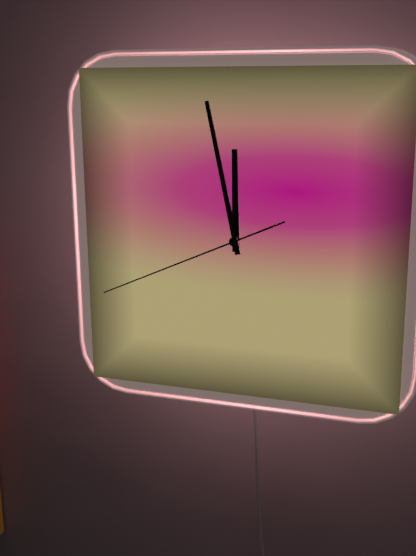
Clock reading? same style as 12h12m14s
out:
11h58m41s
